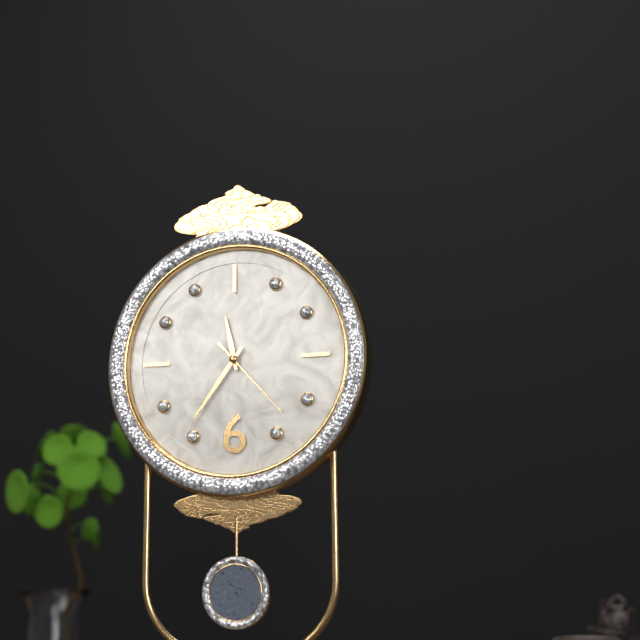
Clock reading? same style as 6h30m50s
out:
11h36m23s
